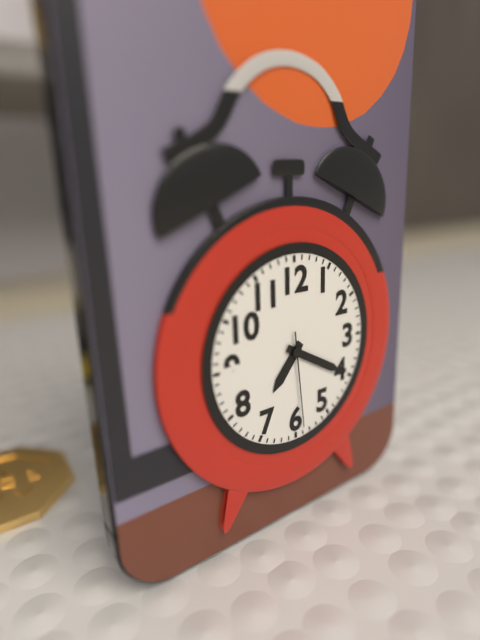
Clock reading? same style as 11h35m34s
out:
7h20m29s
